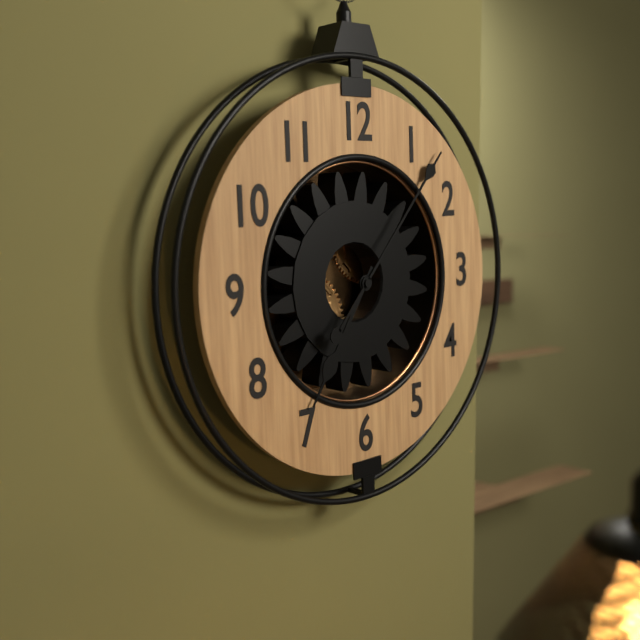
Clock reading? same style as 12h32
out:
7h07
